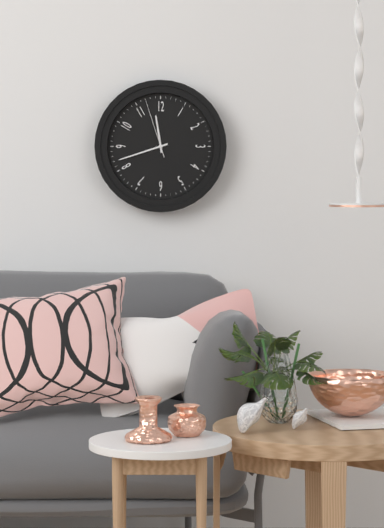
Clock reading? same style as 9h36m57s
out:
11h42m57s
